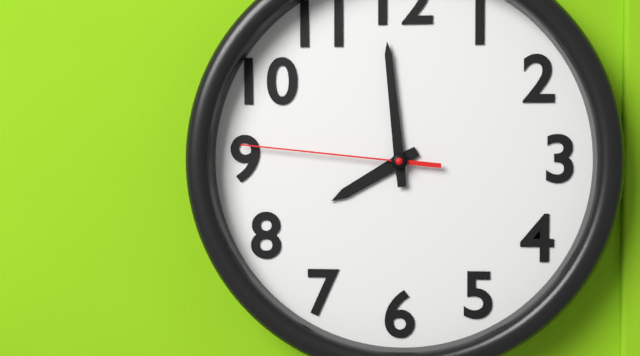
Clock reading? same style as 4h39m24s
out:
7h59m46s
